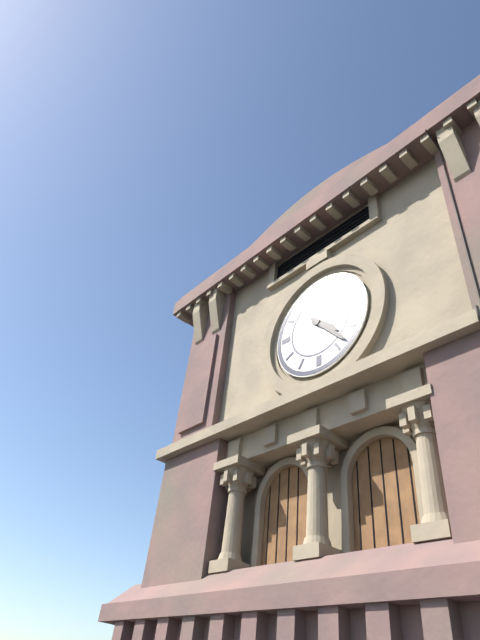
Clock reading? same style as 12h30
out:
4h23
